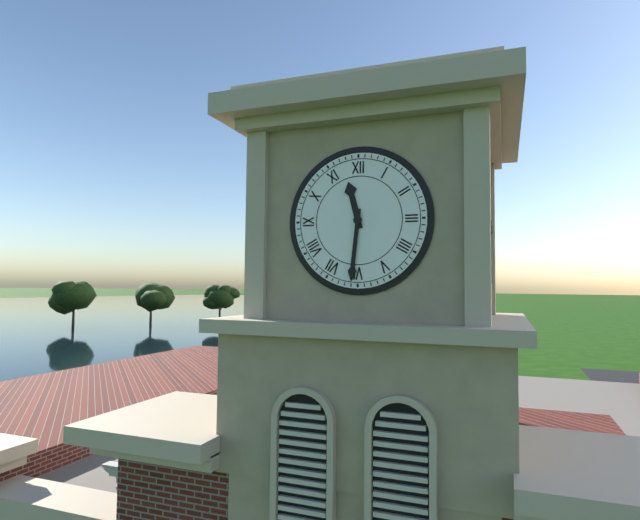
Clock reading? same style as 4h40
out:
11h31
